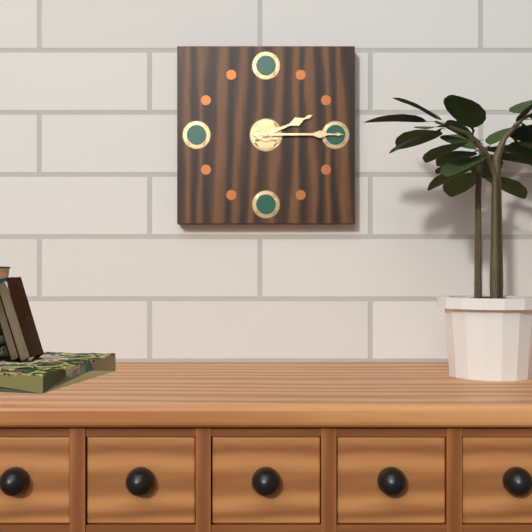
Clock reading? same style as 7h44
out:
2h15
